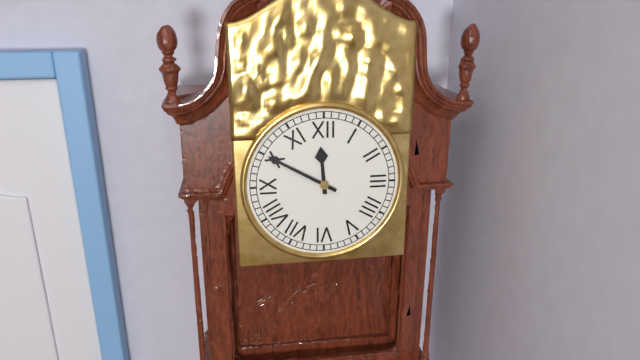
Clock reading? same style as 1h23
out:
11h50
